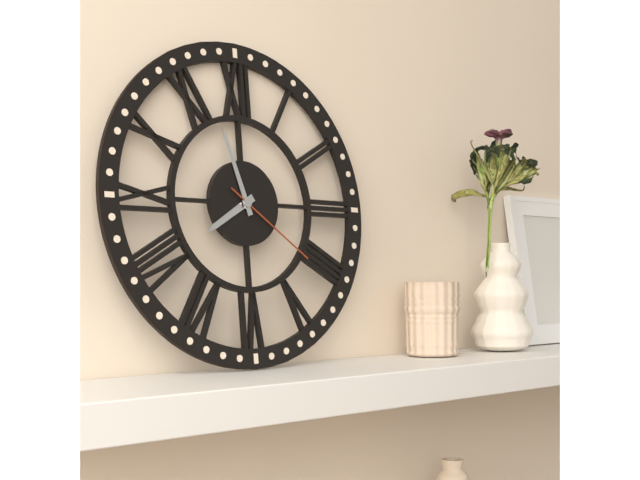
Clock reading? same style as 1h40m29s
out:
7h57m21s
